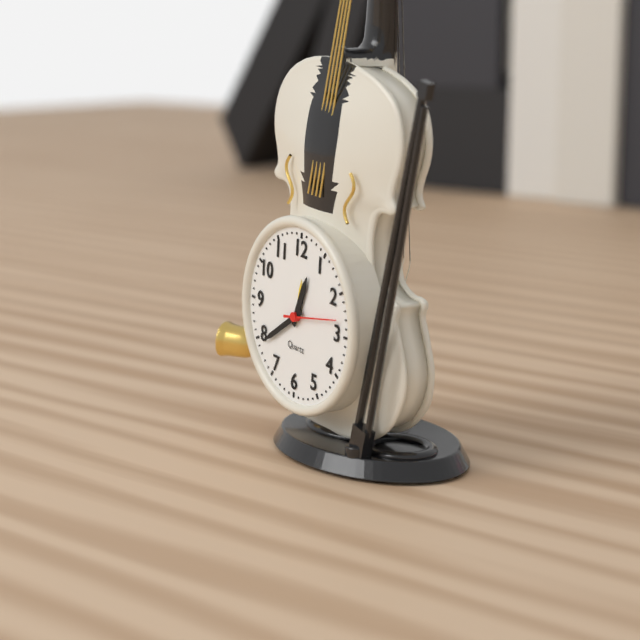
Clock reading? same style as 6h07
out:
12h39
